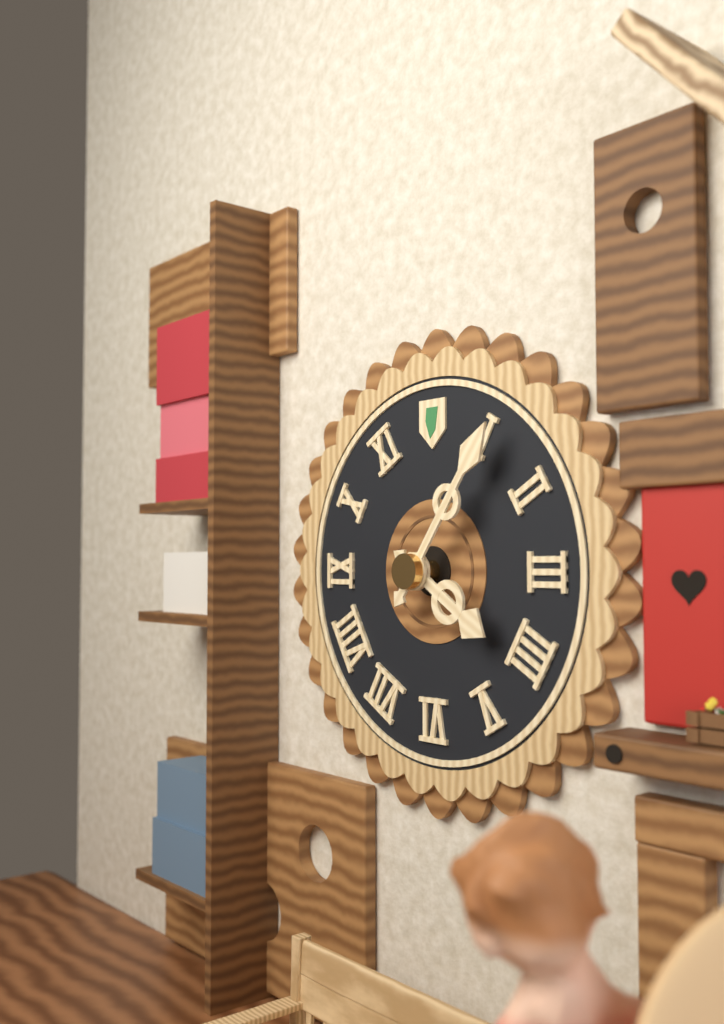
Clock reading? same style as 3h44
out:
4h06
